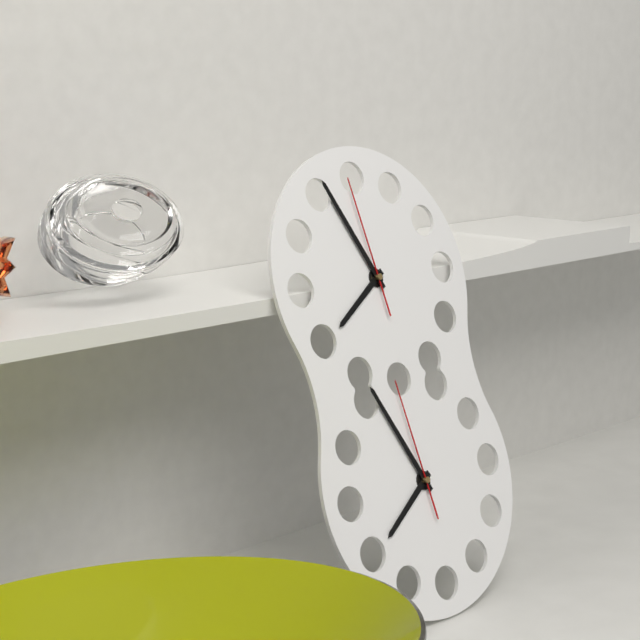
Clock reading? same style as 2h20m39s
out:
7h56m59s
